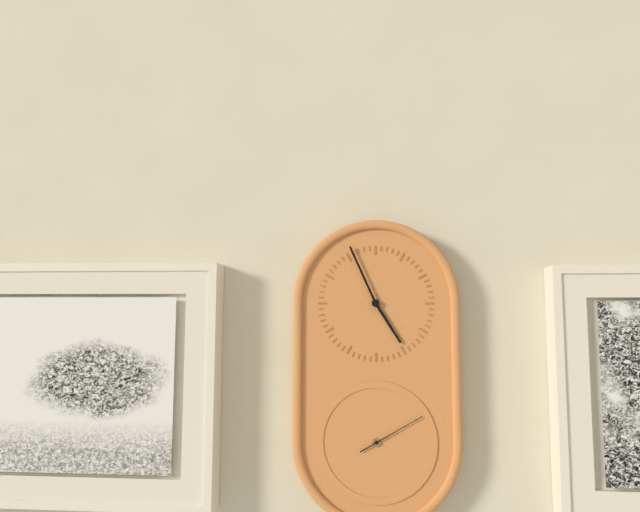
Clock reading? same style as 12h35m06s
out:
4h56m10s
